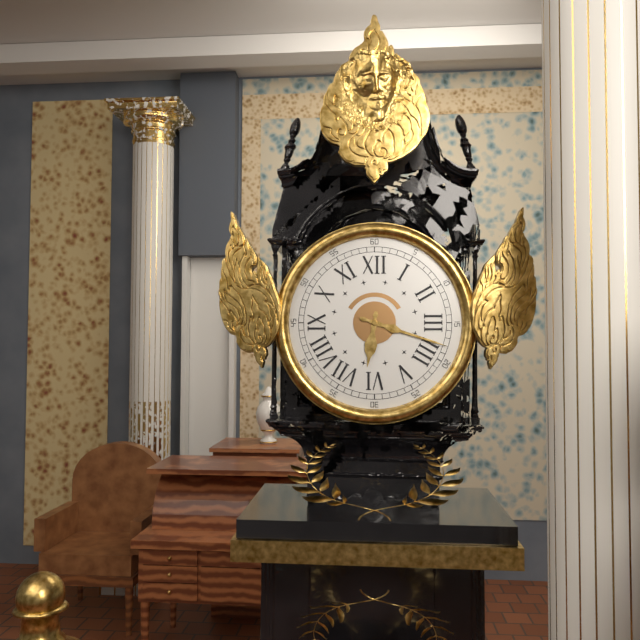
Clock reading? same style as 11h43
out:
6h18
